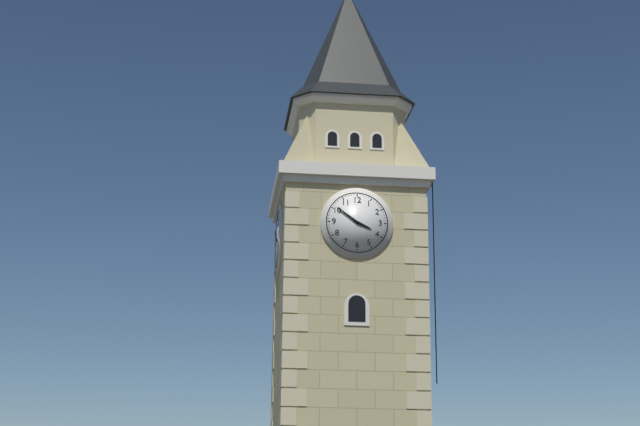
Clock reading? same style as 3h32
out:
3h51
